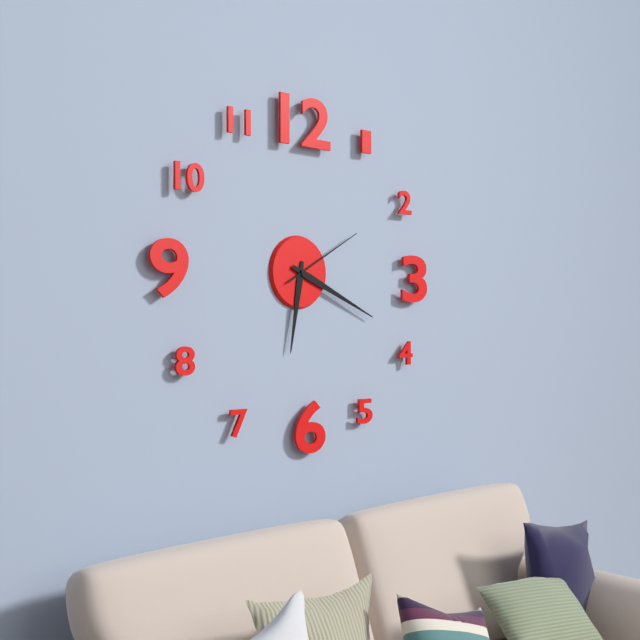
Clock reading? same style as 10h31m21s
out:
6h19m10s
